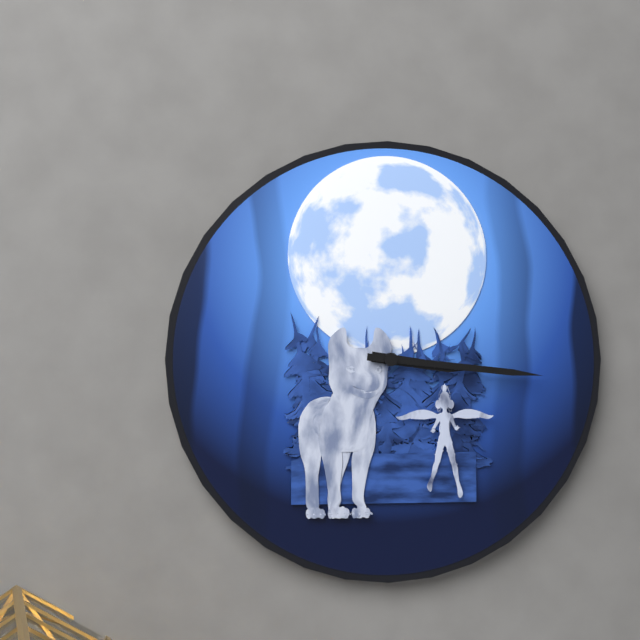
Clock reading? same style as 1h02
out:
3h16
